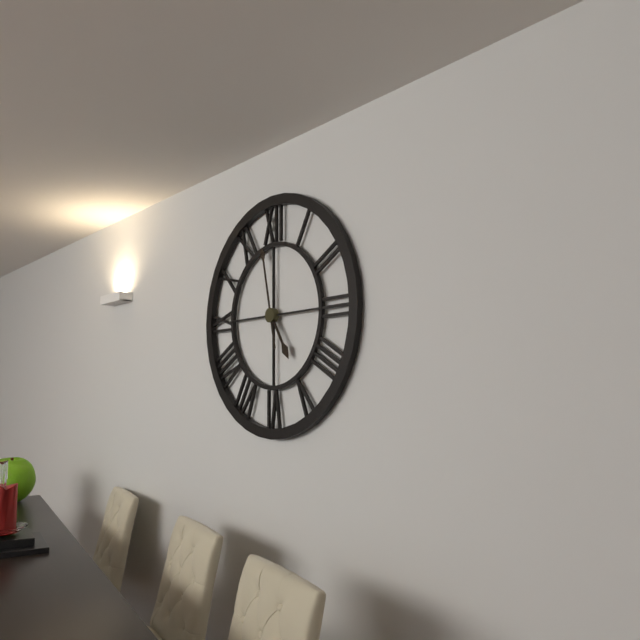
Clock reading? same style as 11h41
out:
4h58
